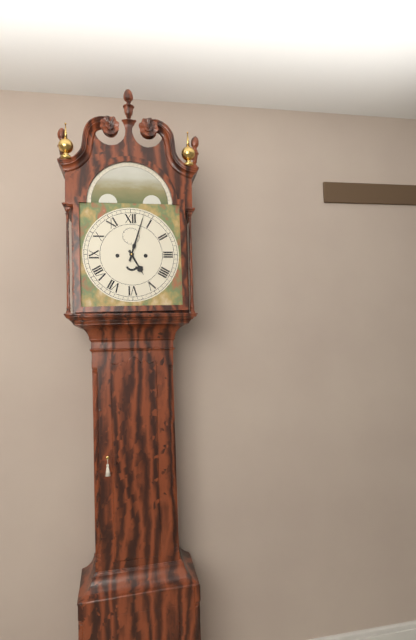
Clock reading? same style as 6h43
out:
5h03
